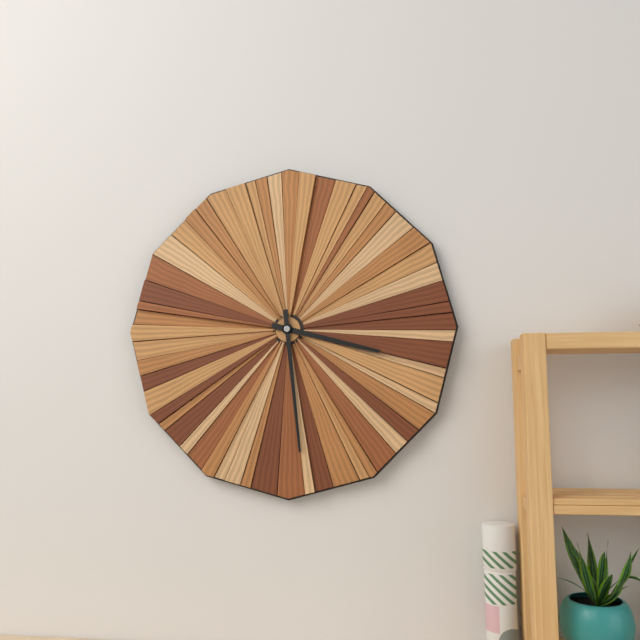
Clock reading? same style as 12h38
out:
3h29
